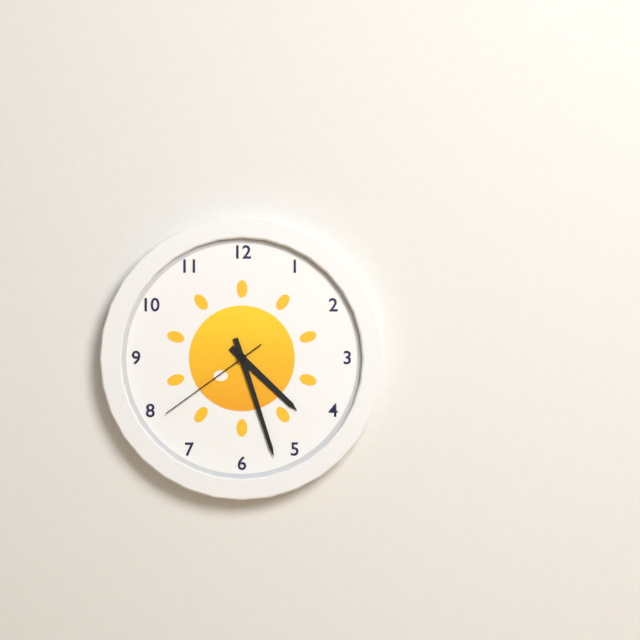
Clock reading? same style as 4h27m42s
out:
4h27m39s
